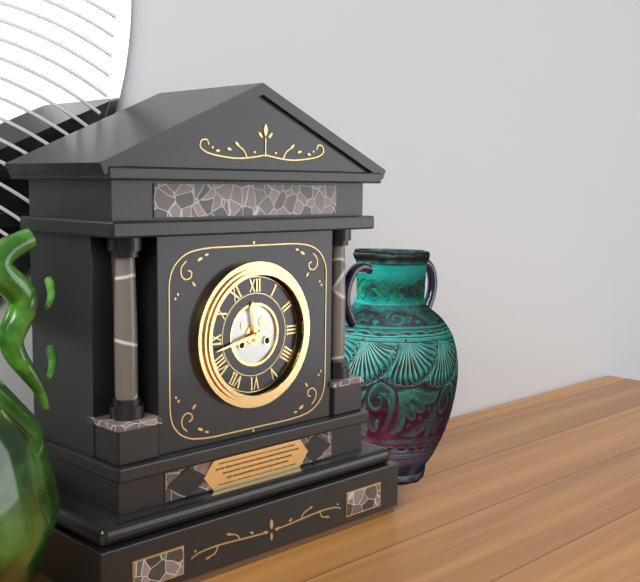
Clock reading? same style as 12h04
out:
11h43
